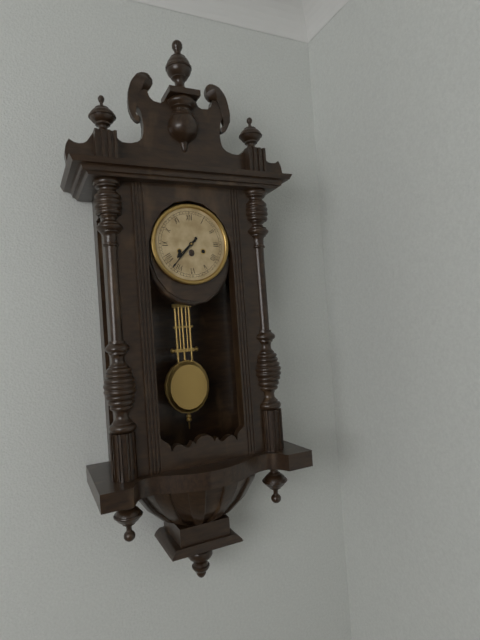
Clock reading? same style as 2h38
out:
7h37
